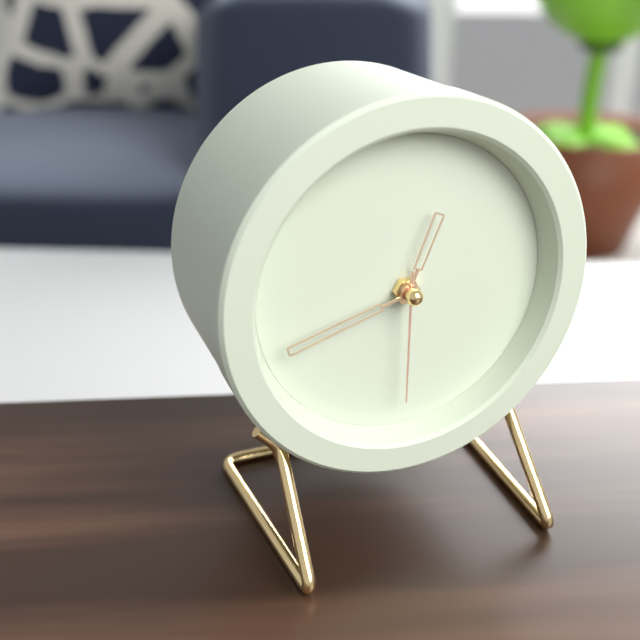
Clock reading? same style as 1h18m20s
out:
12h42m30s
